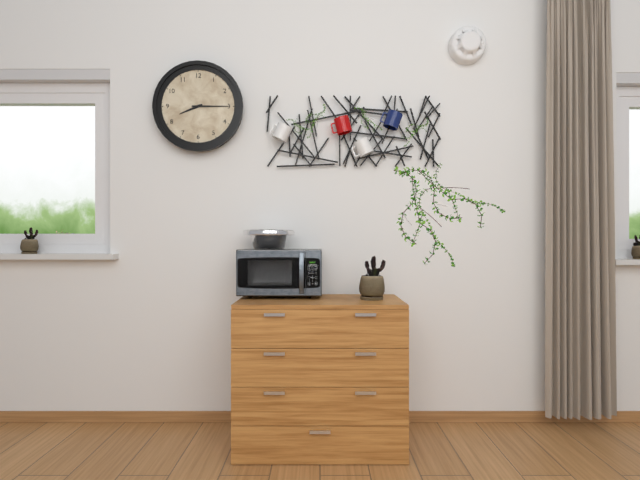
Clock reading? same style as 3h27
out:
8h15
